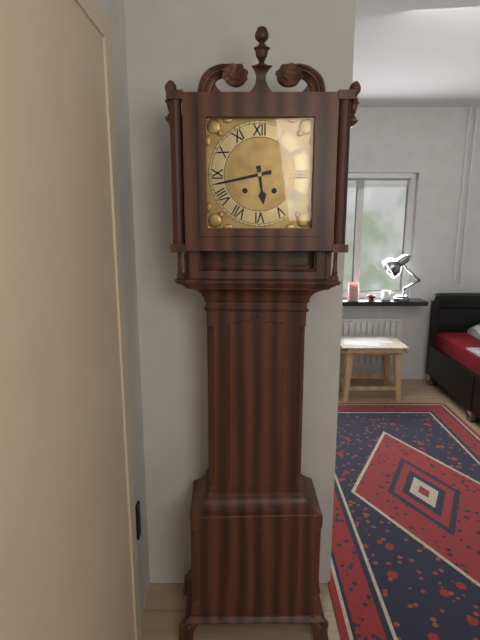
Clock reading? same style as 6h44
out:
5h43
